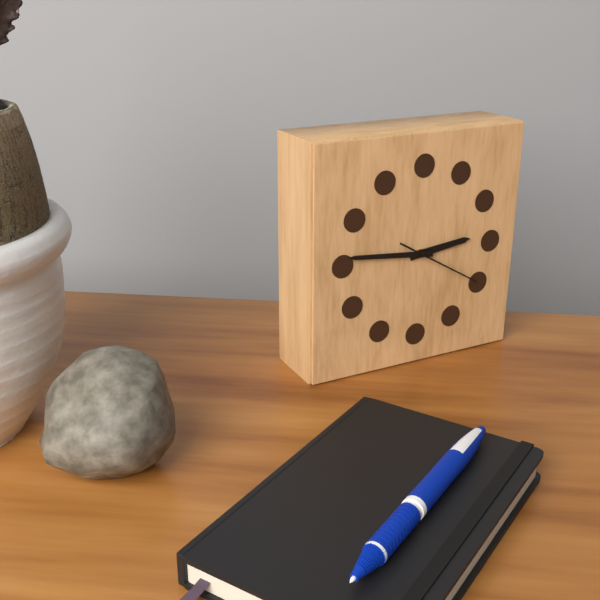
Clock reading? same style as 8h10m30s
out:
2h46m20s
